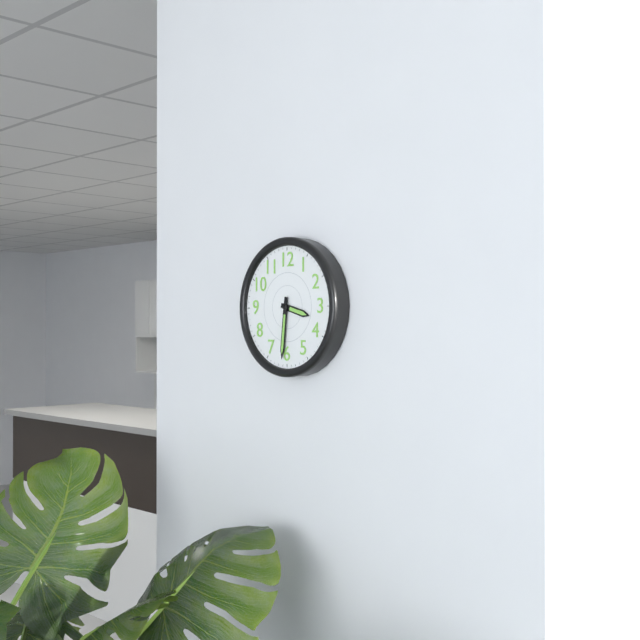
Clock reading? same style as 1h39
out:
3h31
